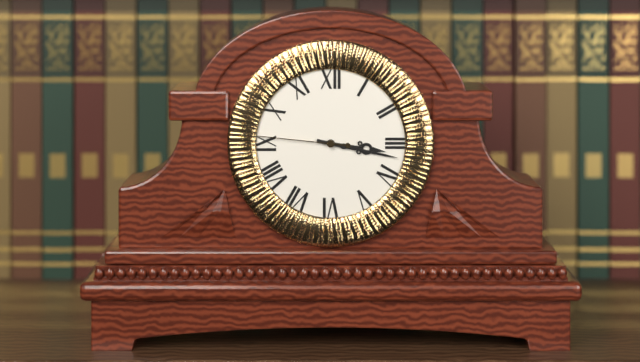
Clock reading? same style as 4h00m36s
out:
3h17m46s
